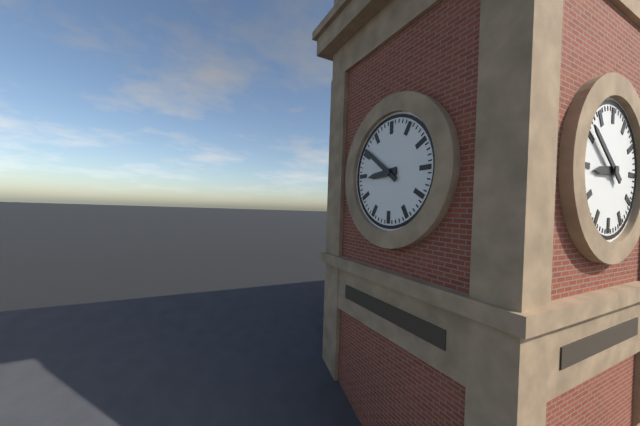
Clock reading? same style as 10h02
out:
8h51
